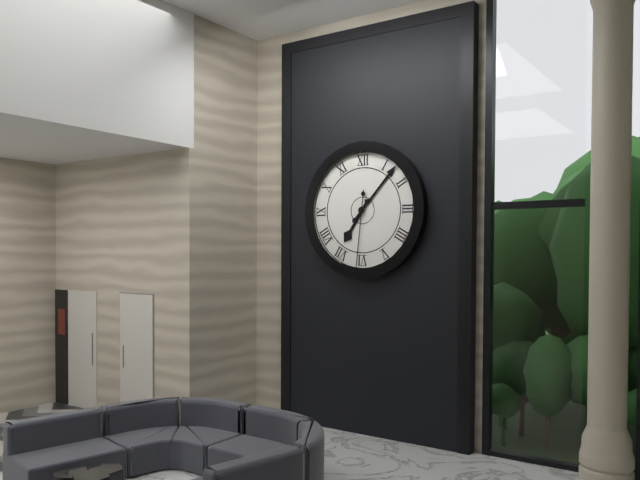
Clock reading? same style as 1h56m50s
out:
7h07m31s
